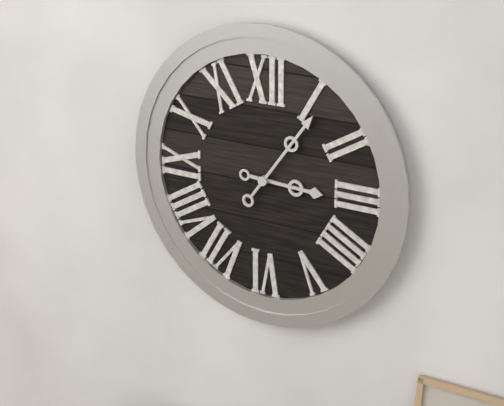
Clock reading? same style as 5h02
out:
3h06
